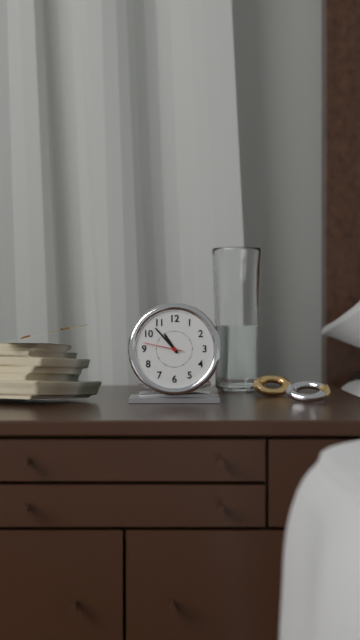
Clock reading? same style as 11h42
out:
10h53
